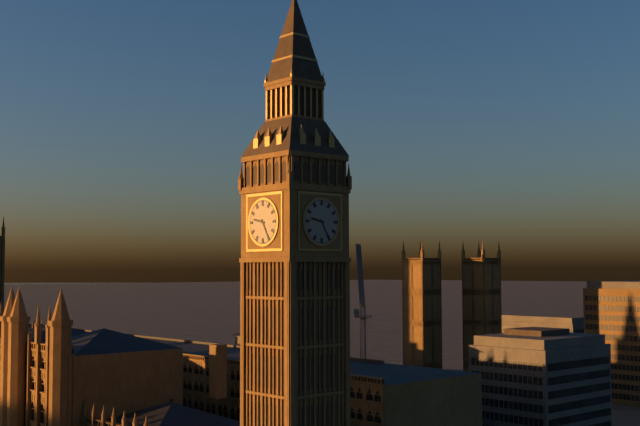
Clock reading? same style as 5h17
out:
9h25
